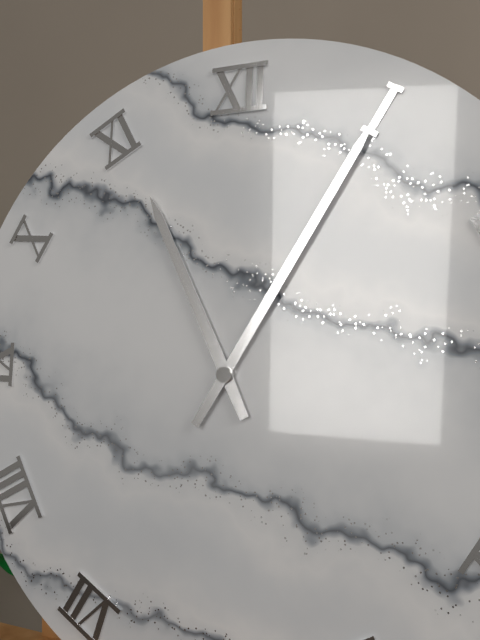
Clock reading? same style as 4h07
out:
11h05
